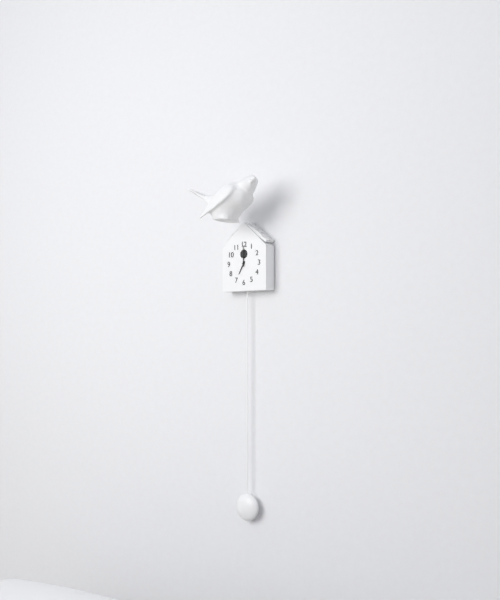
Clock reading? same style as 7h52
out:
7h00
